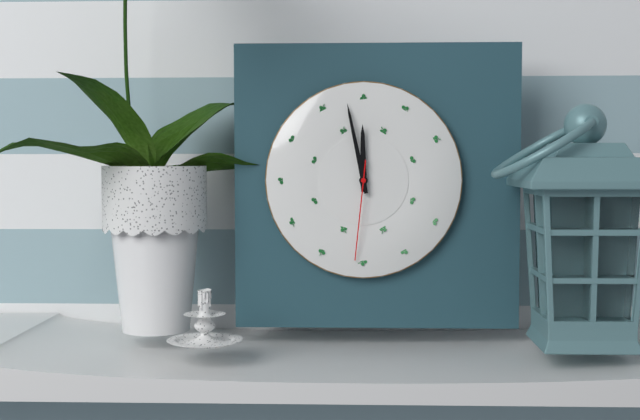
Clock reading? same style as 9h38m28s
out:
11h58m31s
